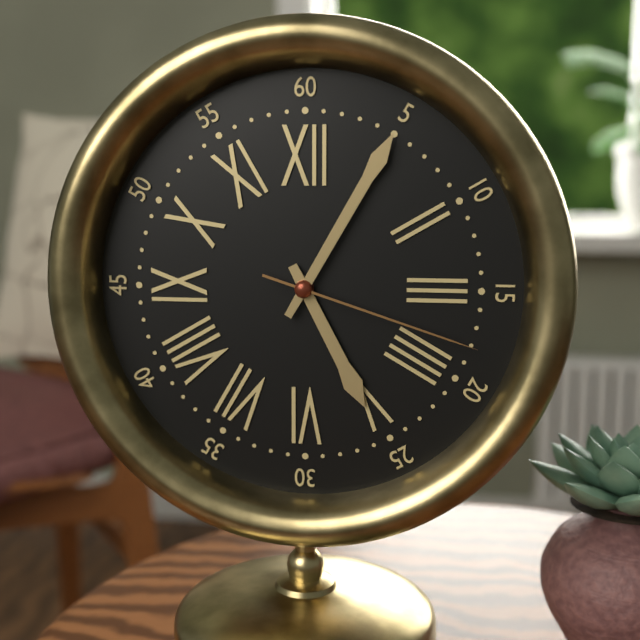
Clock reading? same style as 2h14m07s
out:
5h05m18s
